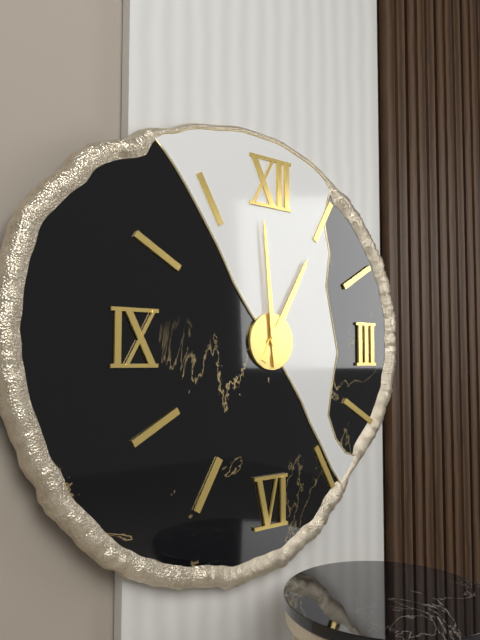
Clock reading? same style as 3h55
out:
12h59
